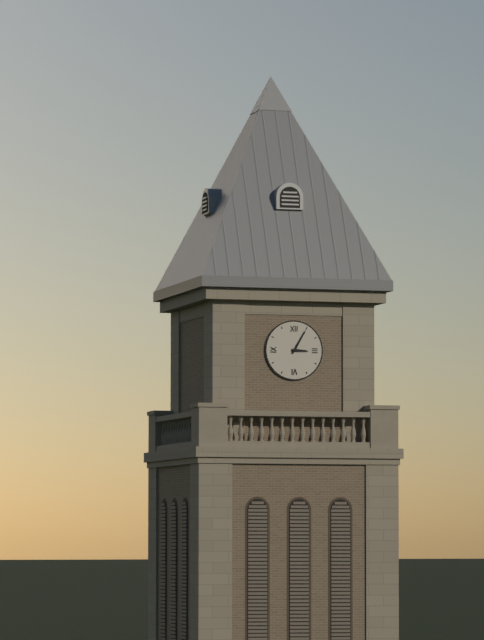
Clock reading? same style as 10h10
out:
3h05
